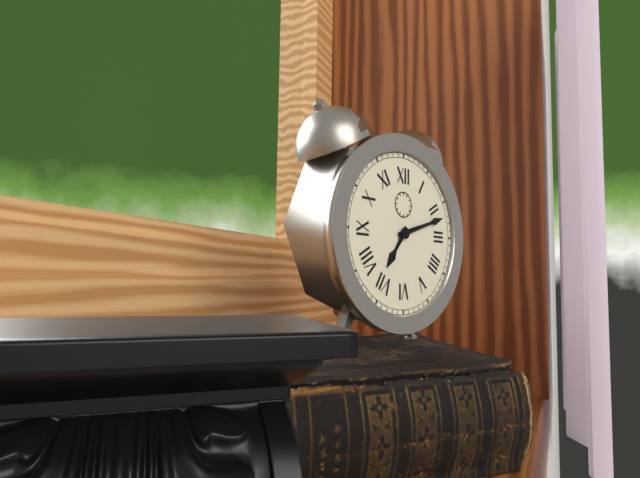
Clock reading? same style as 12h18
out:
7h12
